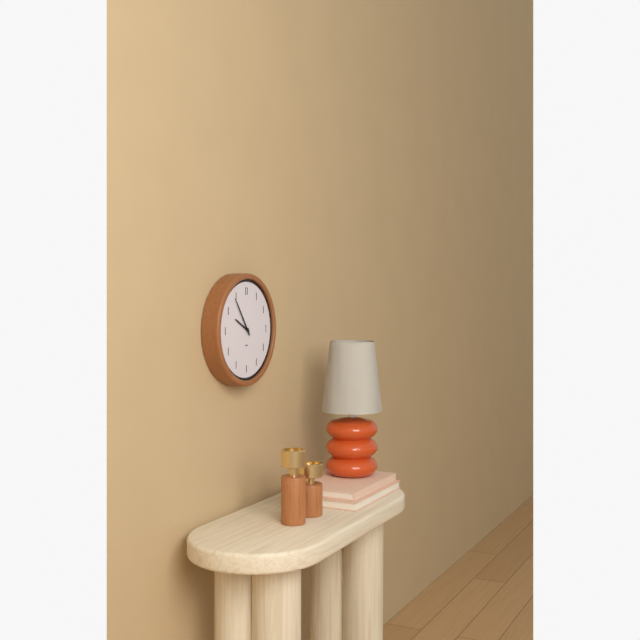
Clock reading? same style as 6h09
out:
9h54
